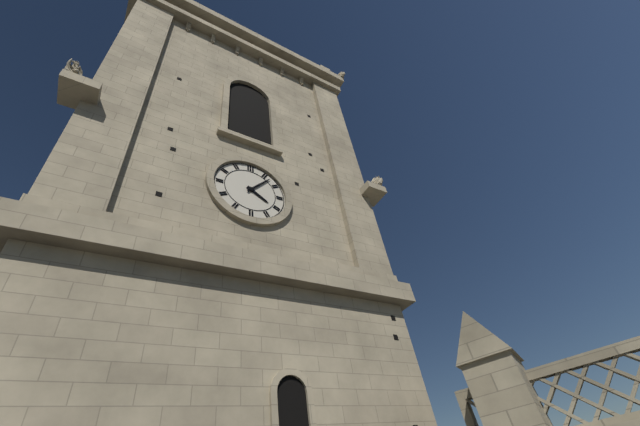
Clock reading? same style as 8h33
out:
4h07
